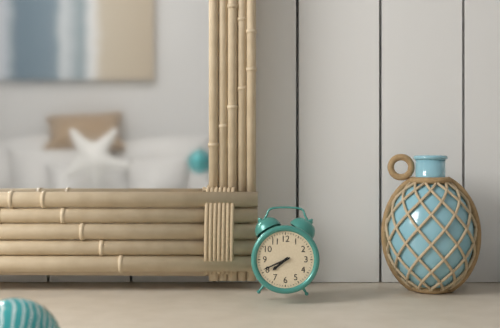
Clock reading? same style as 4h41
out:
7h41
